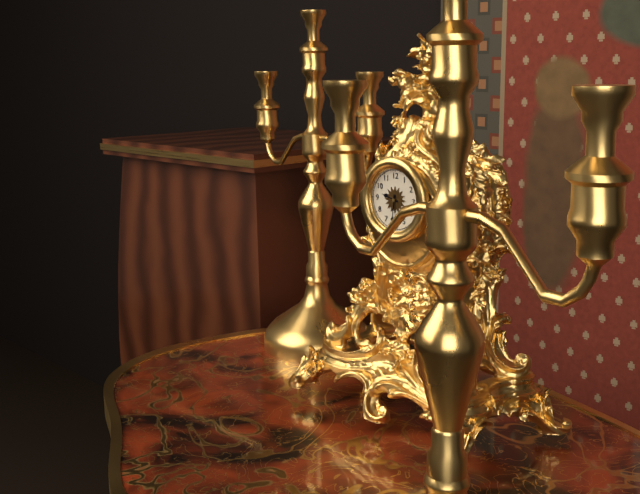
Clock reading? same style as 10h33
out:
9h31
